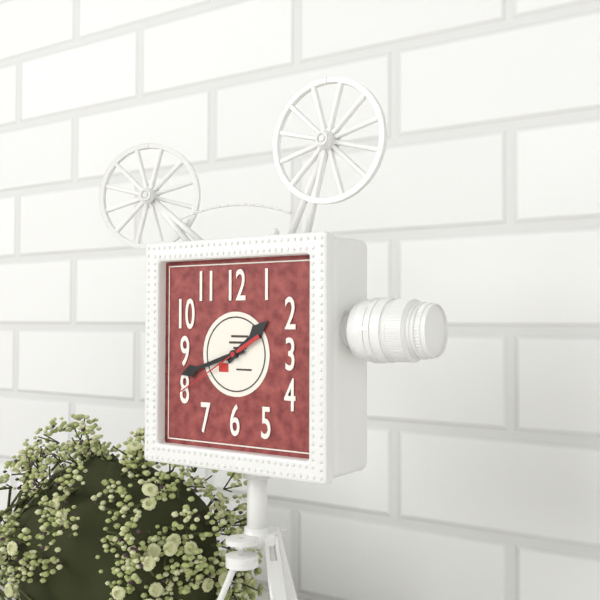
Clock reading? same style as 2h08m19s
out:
1h42m40s
